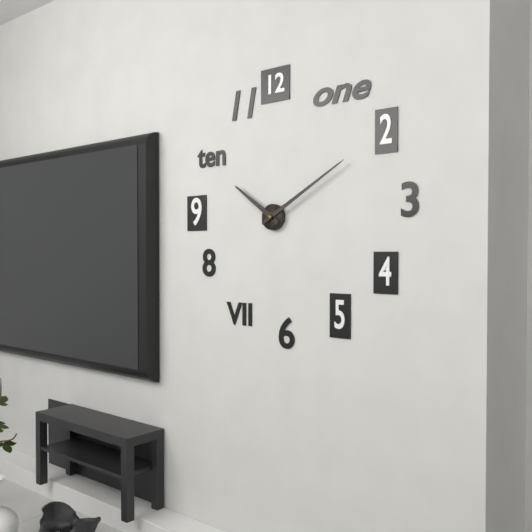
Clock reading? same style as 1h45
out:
10h10
